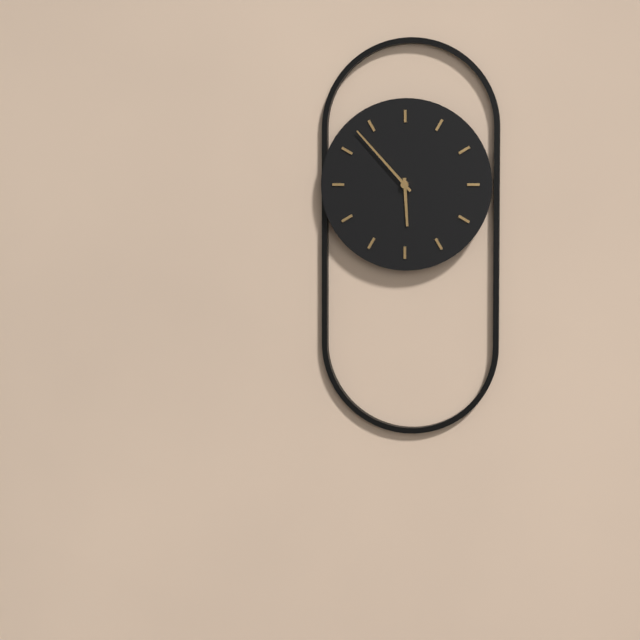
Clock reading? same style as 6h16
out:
5h53
